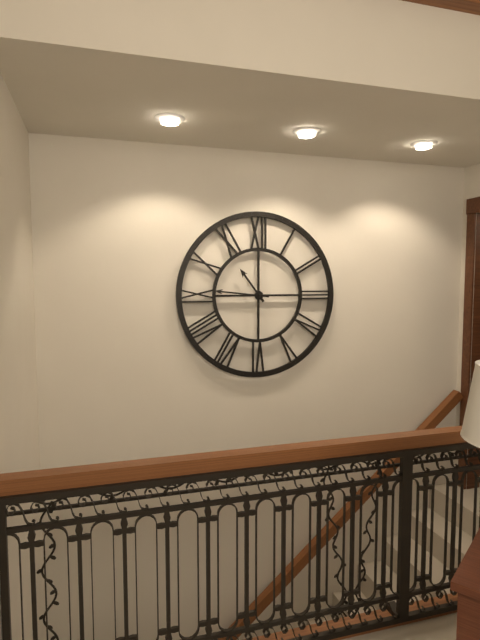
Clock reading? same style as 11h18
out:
10h46
